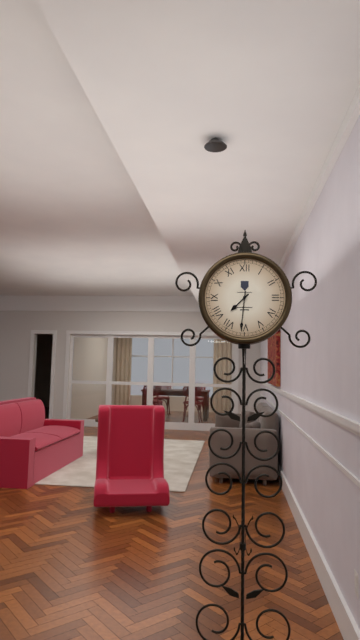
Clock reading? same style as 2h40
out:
7h31
